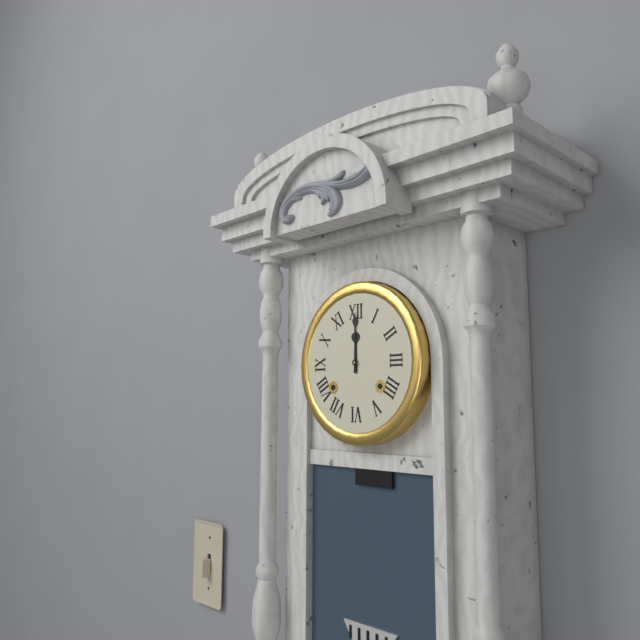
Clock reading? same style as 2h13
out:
12h00
